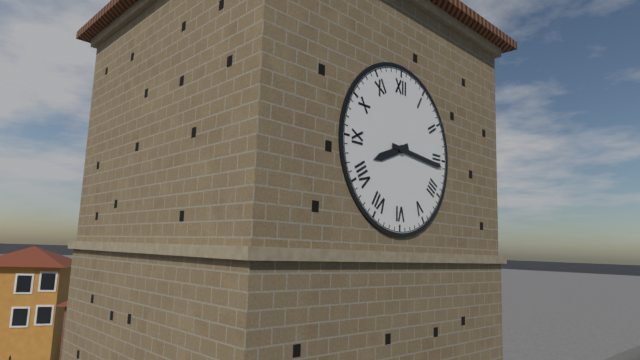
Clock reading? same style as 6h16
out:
8h16
